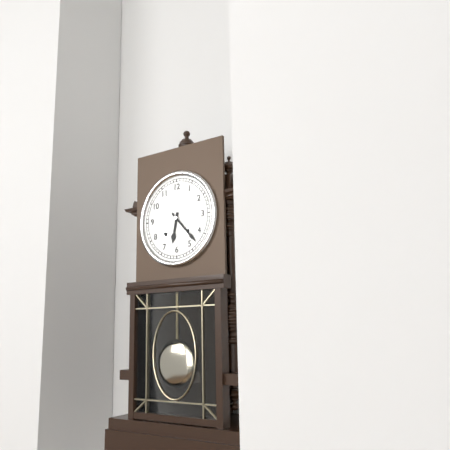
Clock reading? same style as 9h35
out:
6h23
